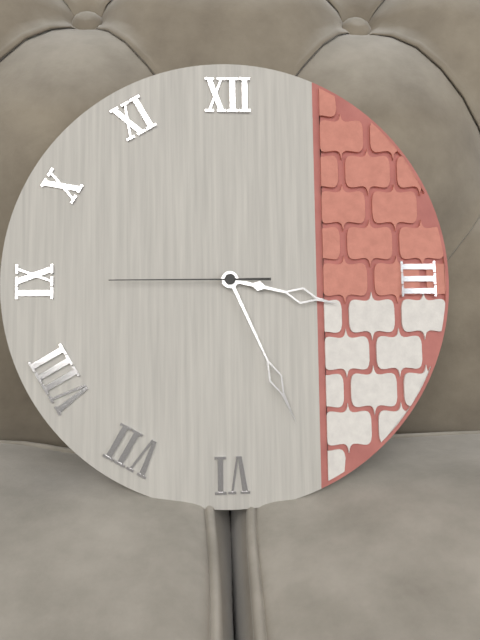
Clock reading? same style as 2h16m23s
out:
3h26m45s
